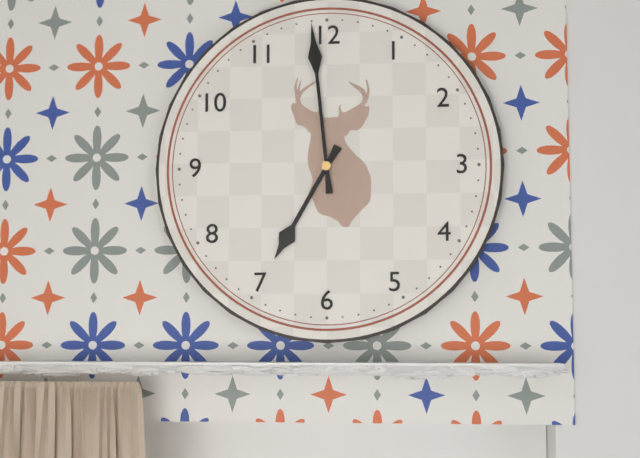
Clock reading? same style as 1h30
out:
6h59
